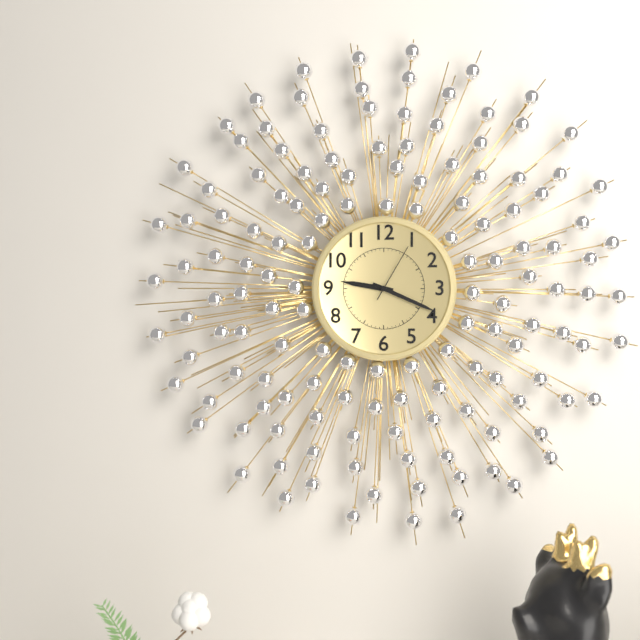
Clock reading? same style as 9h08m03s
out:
9h19m05s
